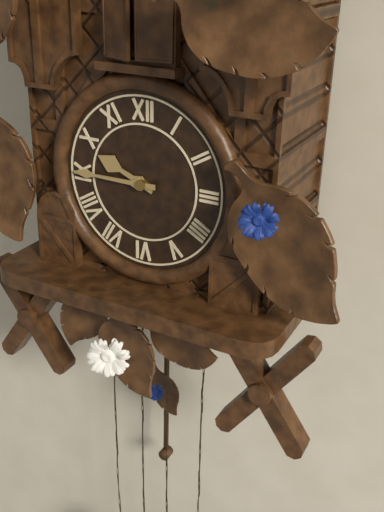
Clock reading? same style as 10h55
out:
9h45
